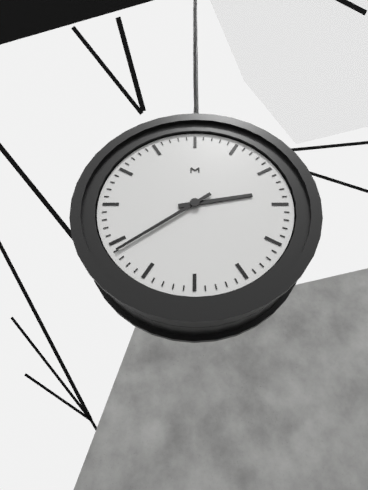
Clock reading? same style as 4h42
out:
2h39
